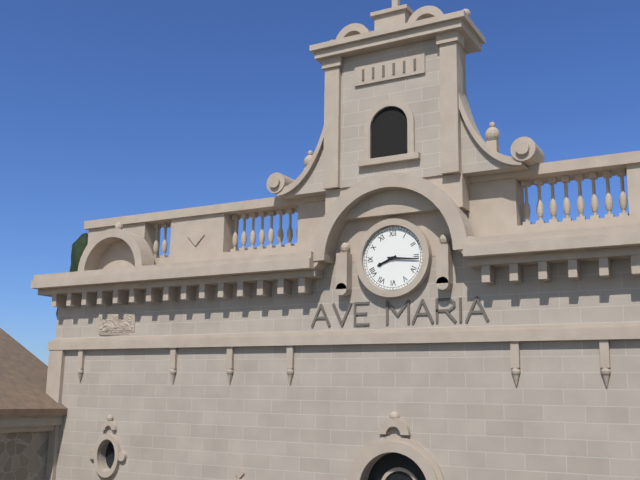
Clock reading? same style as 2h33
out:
8h16
